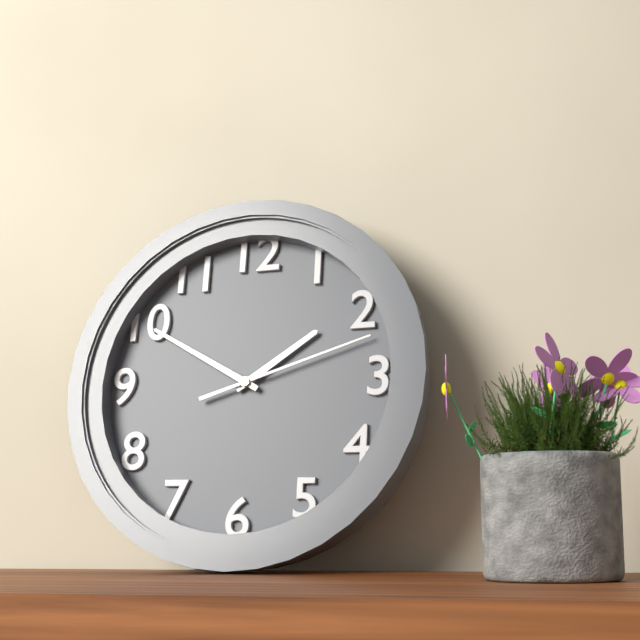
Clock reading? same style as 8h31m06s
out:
1h50m12s
